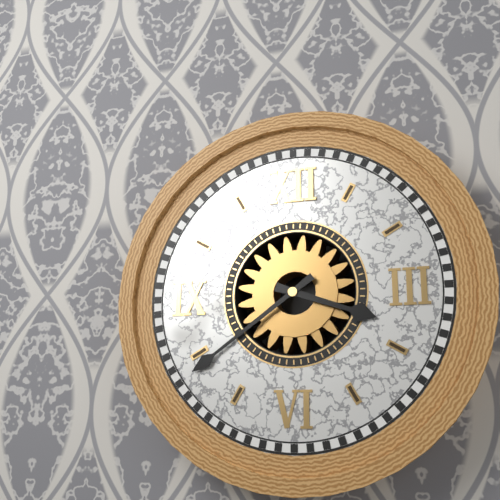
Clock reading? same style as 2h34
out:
3h39
